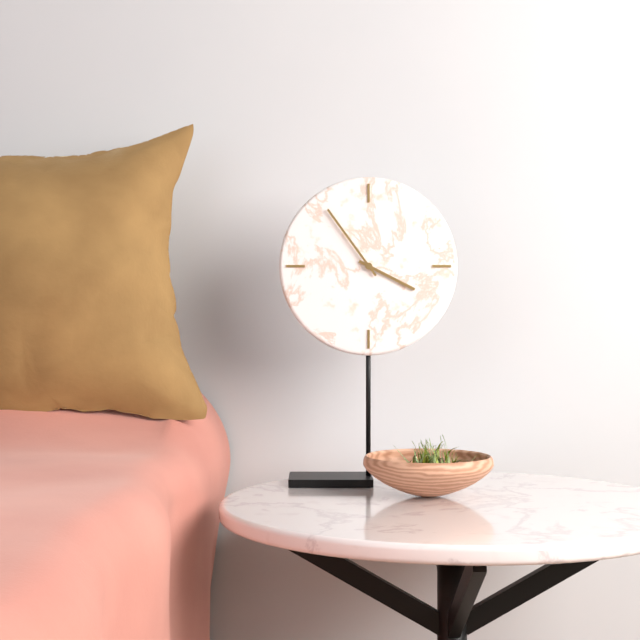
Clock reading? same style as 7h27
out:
3h54
